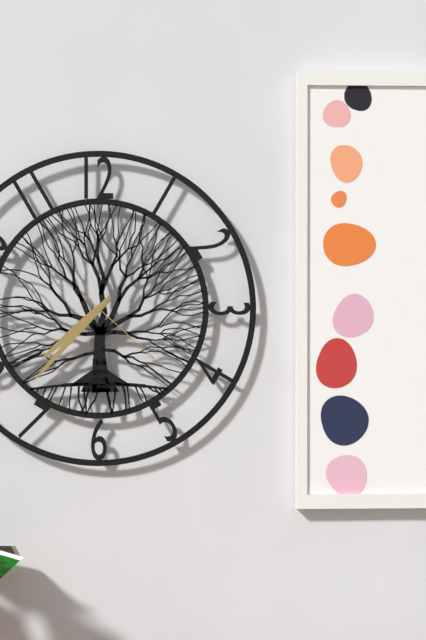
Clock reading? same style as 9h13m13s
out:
7h37m22s
